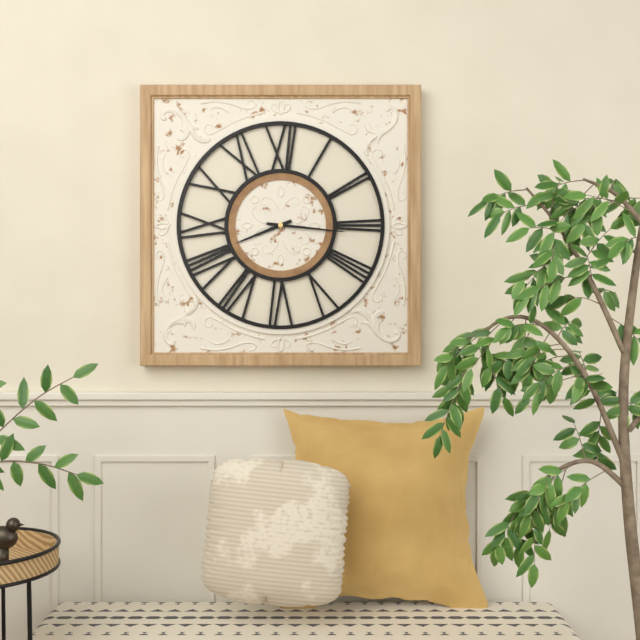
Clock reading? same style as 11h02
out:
8h16
